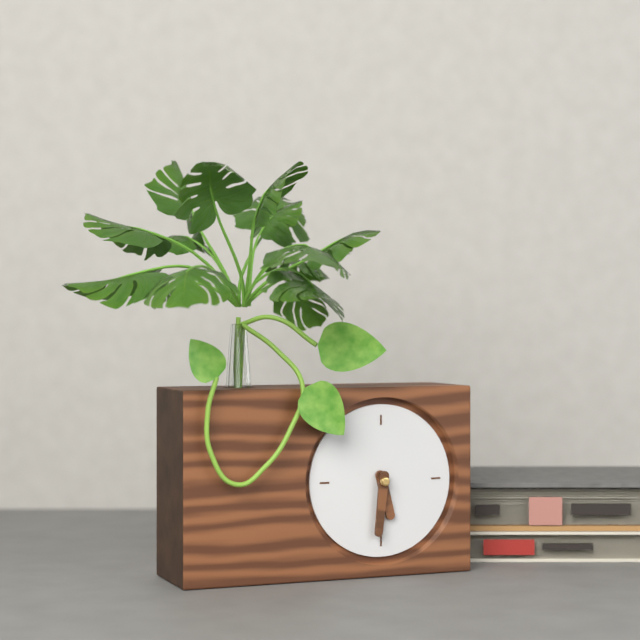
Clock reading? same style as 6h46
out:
5h31
